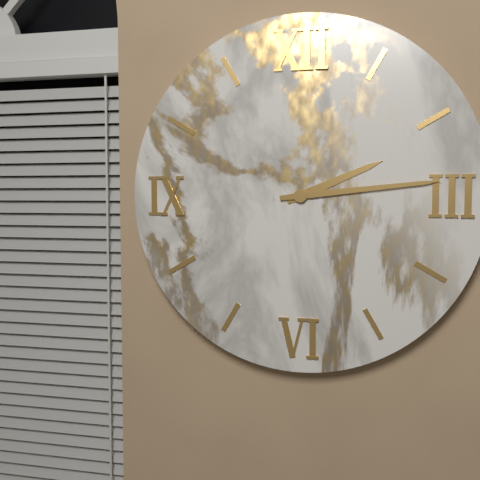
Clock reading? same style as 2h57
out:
2h14
